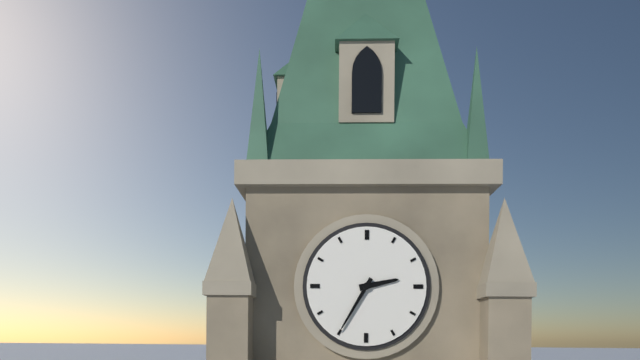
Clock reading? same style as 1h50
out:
2h35
